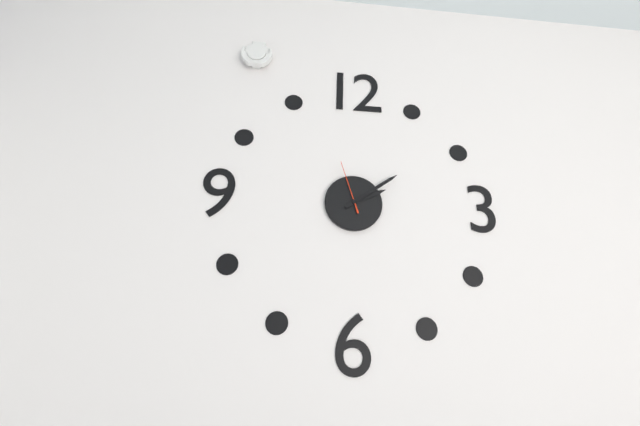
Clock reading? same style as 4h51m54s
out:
2h09m57s
